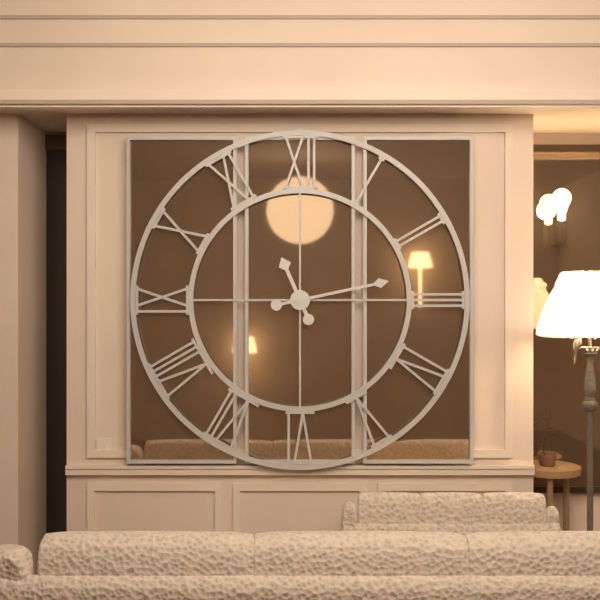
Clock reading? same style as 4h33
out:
11h13
